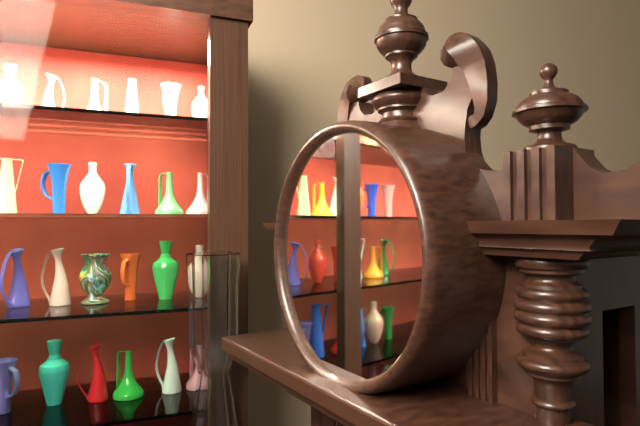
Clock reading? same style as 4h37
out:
9h57
